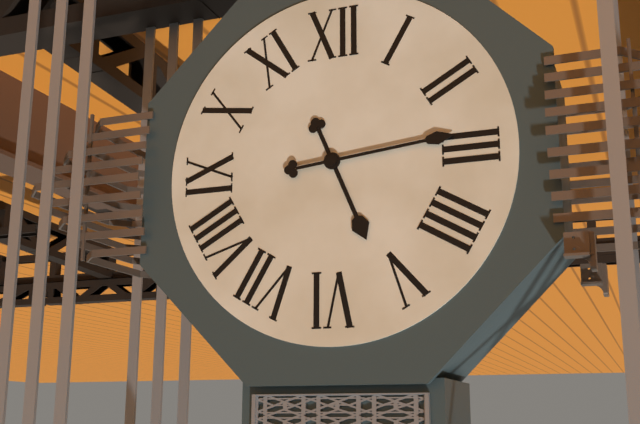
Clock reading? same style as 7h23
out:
5h14
